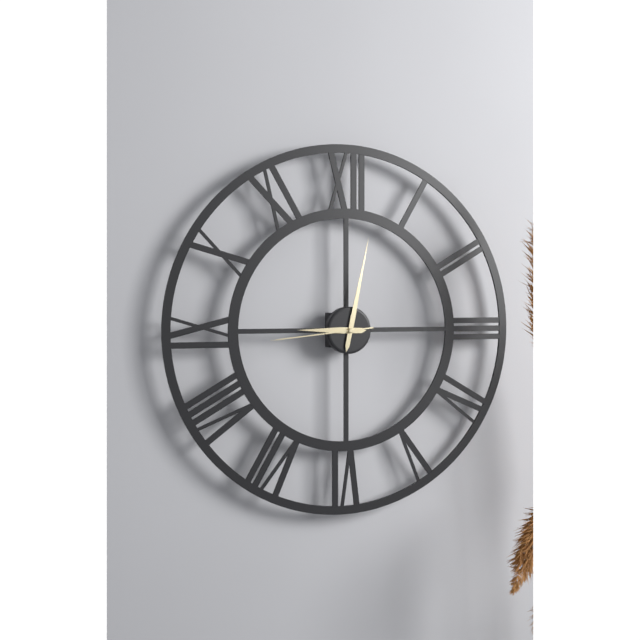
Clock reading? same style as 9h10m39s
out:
9h02m44s
